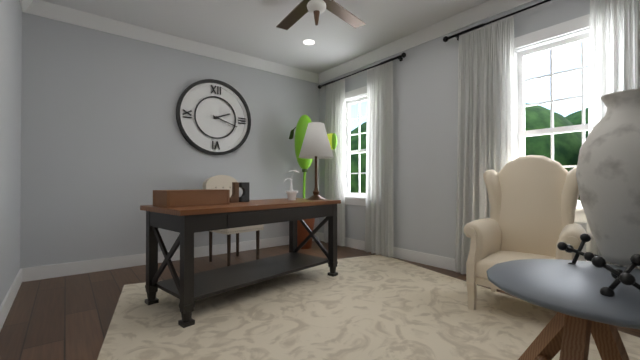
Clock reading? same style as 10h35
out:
2h18
